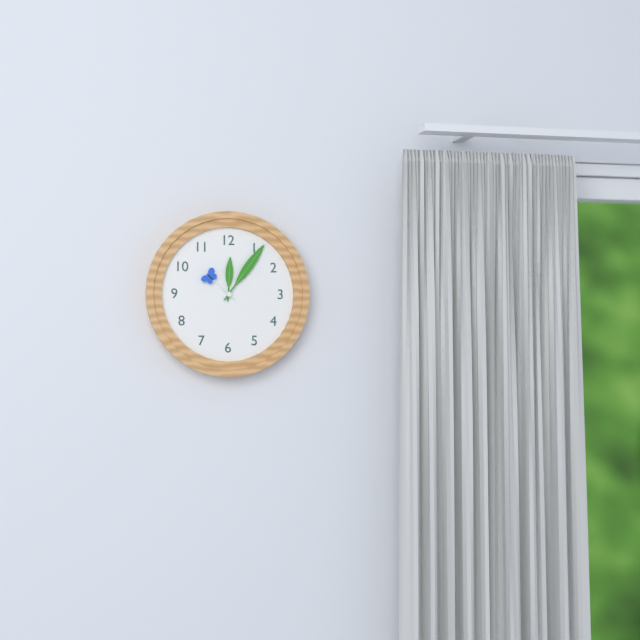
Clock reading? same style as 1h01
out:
12h06
